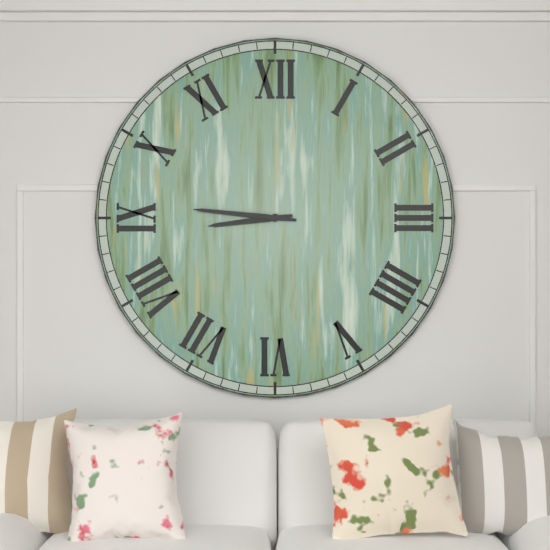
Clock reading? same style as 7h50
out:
8h46
